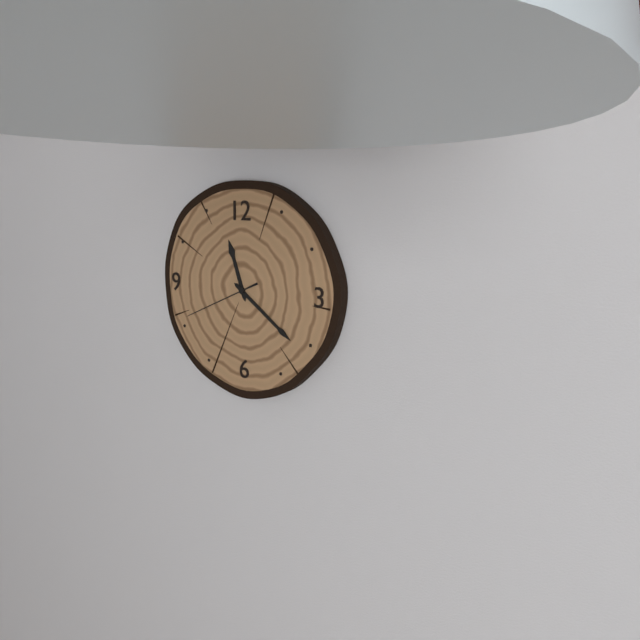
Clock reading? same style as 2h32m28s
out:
11h21m41s
